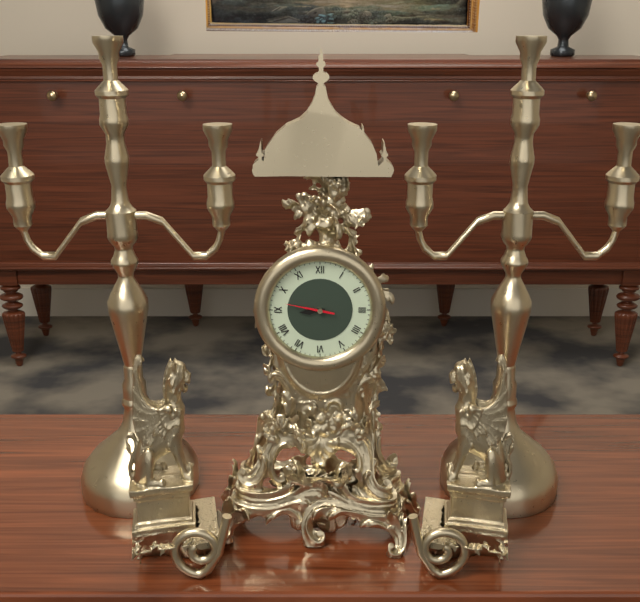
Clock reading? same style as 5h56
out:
8h47
